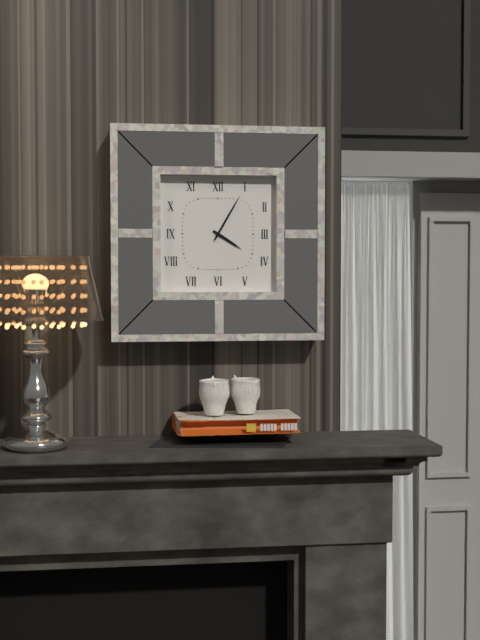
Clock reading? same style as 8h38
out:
4h05
